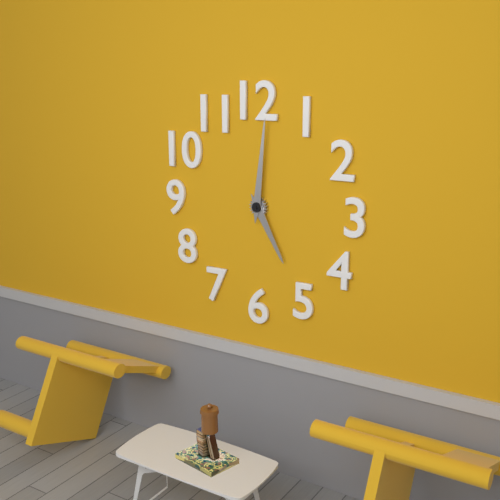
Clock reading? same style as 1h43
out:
5h01
